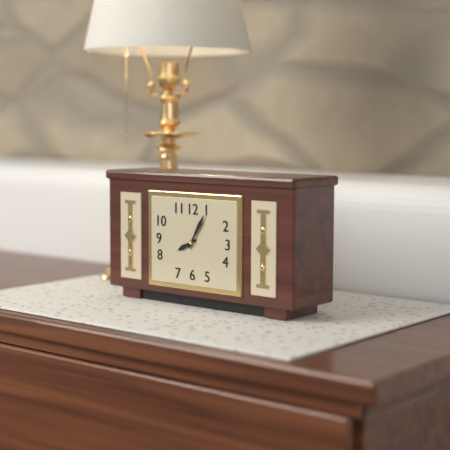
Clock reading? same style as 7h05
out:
8h05
